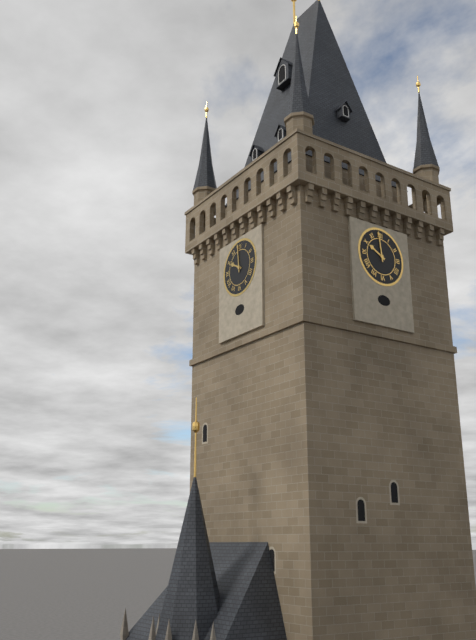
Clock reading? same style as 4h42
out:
9h59
